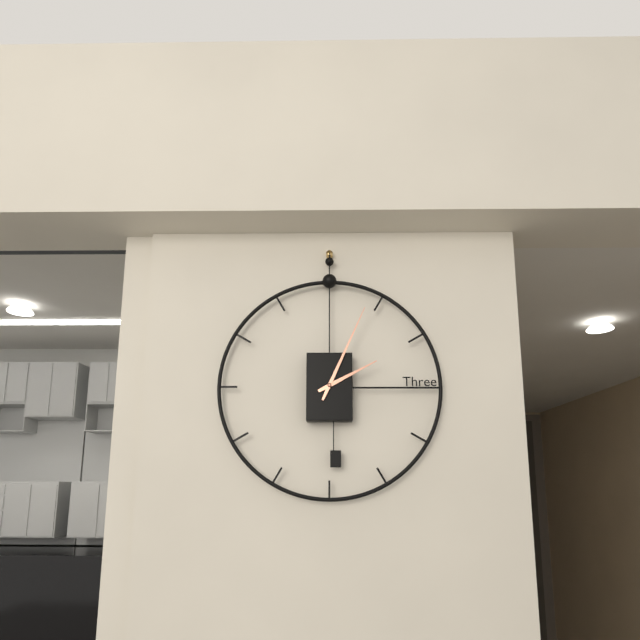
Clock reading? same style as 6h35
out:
2h04
